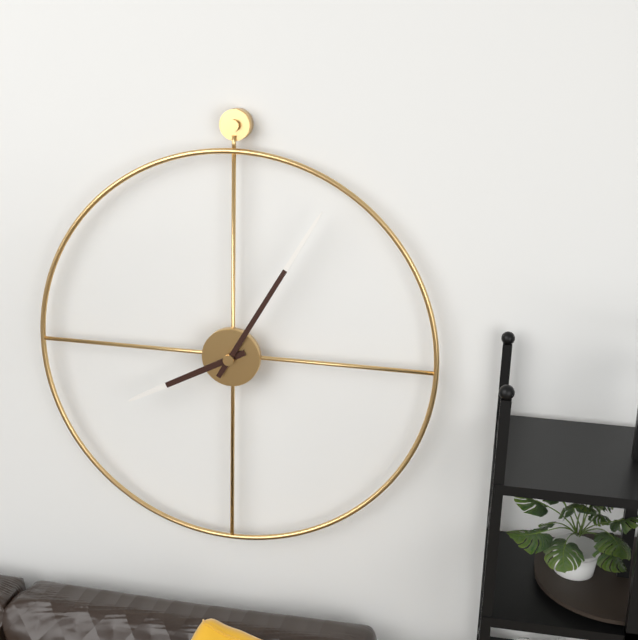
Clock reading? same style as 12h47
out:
8h05
